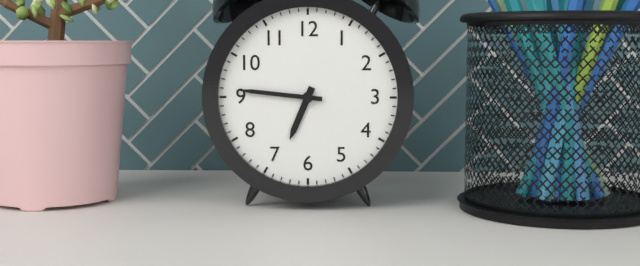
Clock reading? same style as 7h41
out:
6h46
